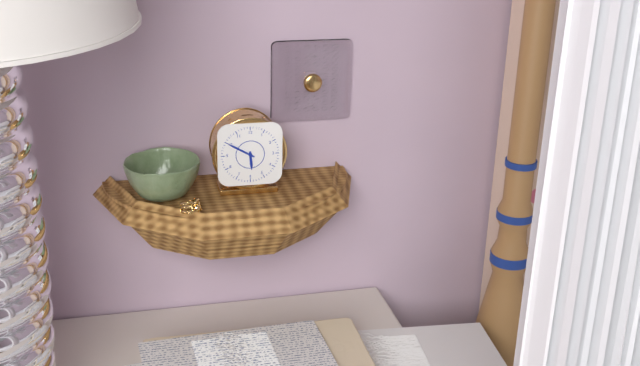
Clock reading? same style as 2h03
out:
5h50
